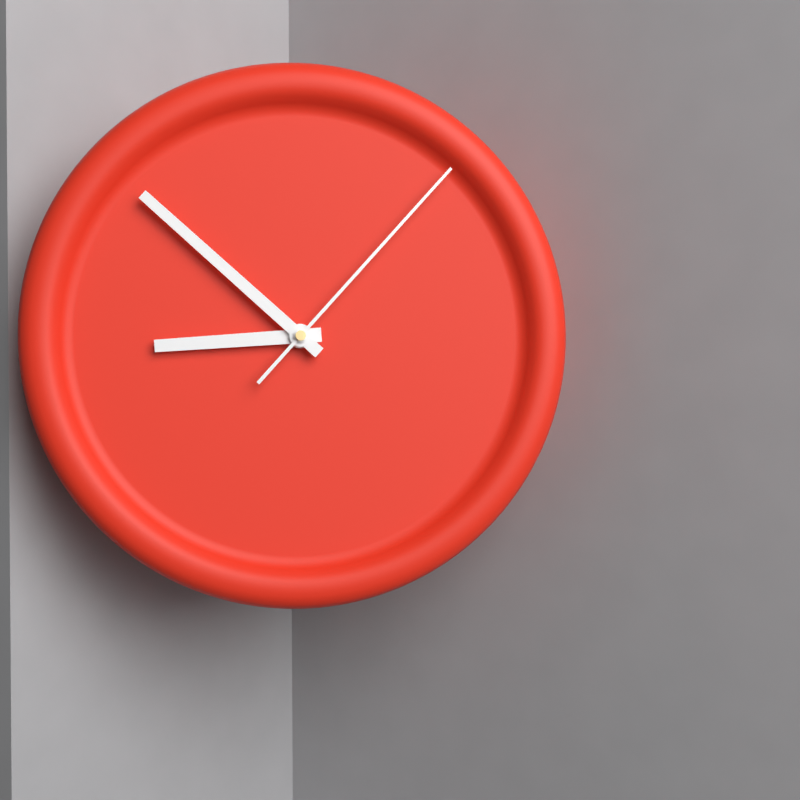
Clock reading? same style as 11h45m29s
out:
8h52m07s
